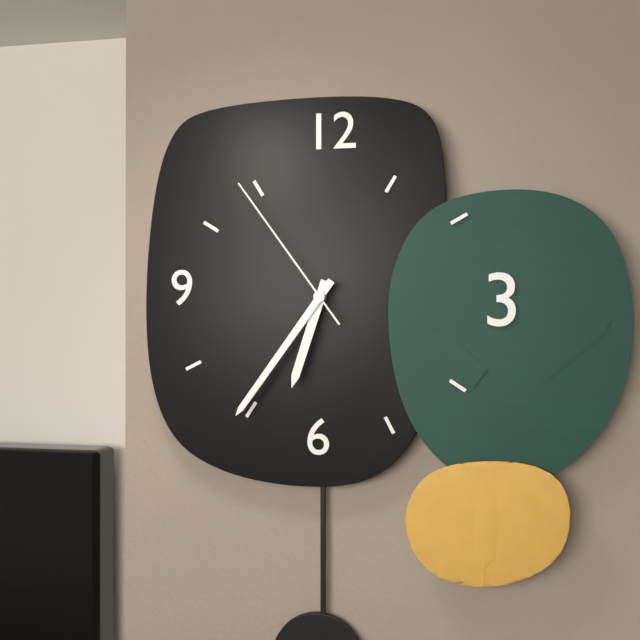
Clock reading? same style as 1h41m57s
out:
6h36m54s
